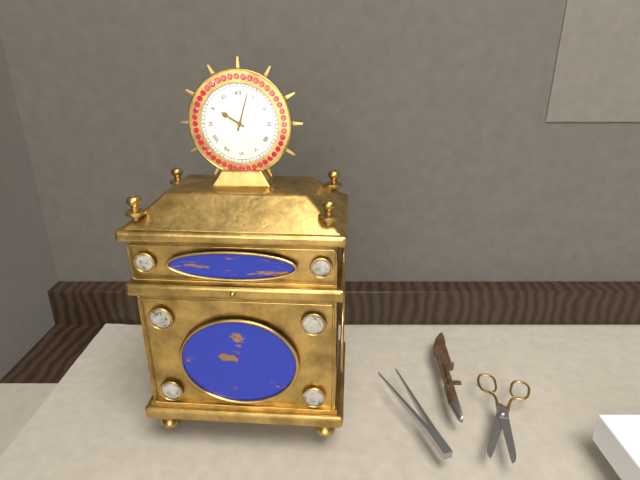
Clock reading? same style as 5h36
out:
10h03
